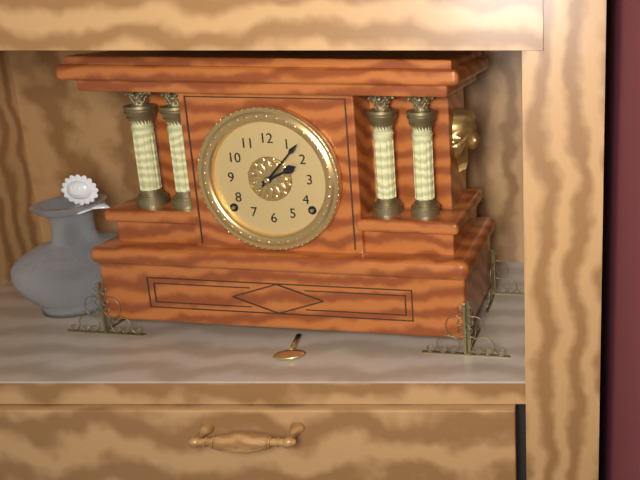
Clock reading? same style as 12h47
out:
2h07
